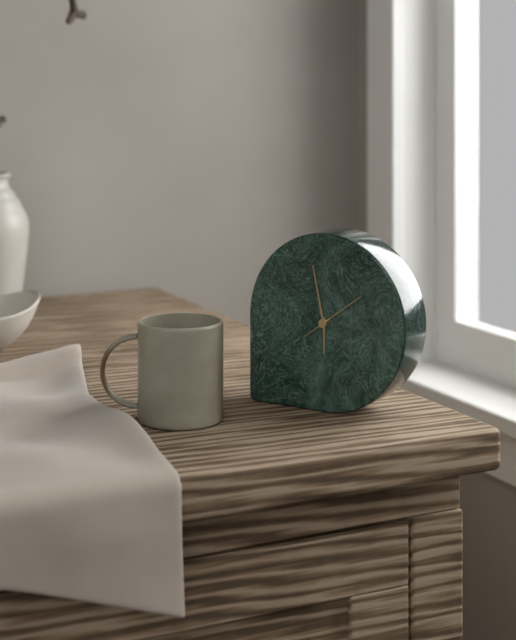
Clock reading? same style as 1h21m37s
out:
5h58m09s
